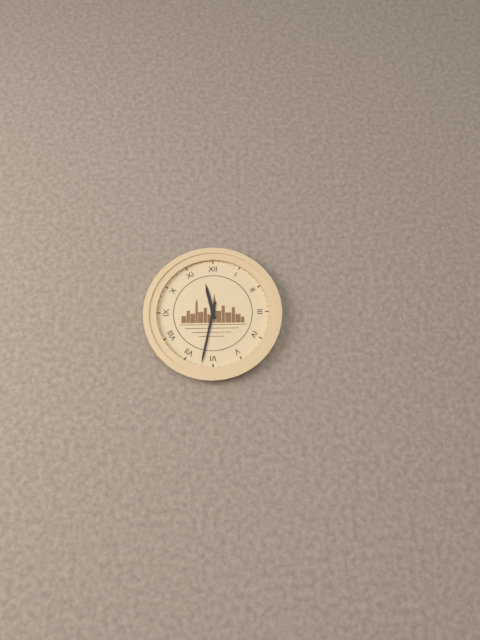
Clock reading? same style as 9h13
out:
11h32
